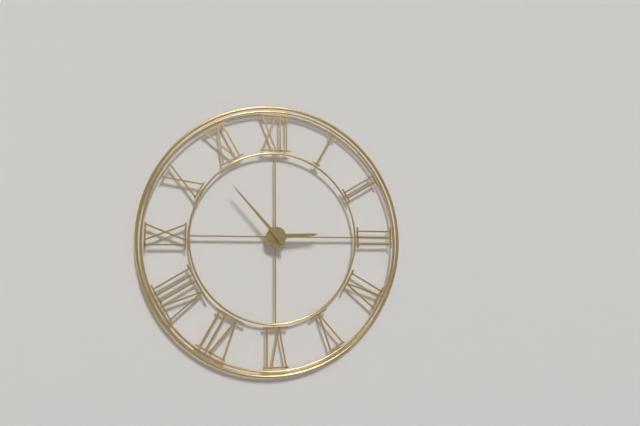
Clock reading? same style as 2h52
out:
2h53
